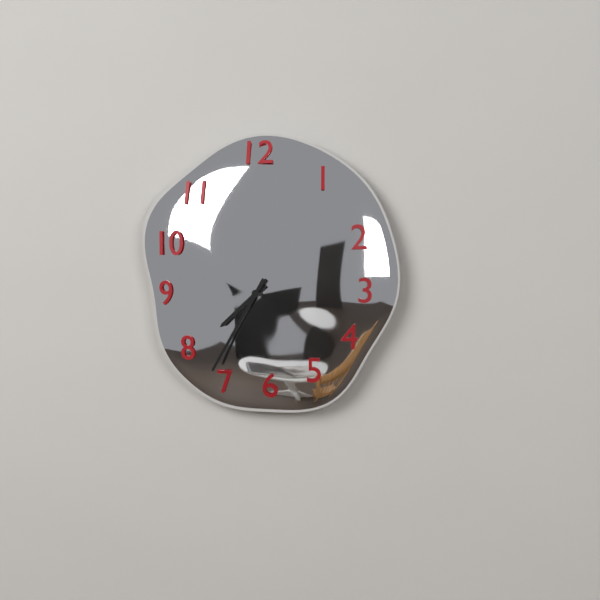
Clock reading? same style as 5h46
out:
7h35
